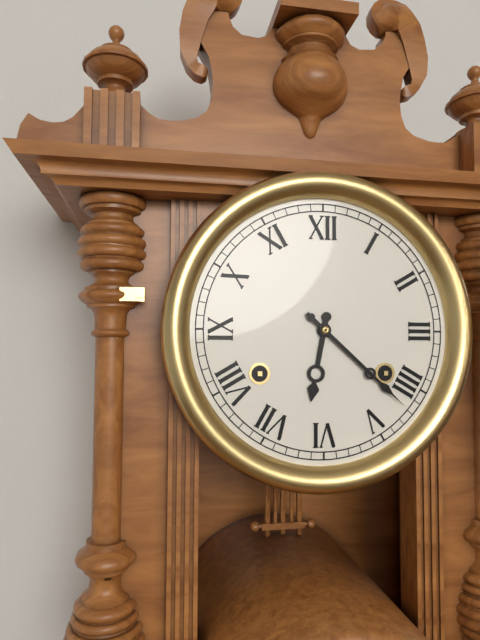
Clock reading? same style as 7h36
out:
6h22
